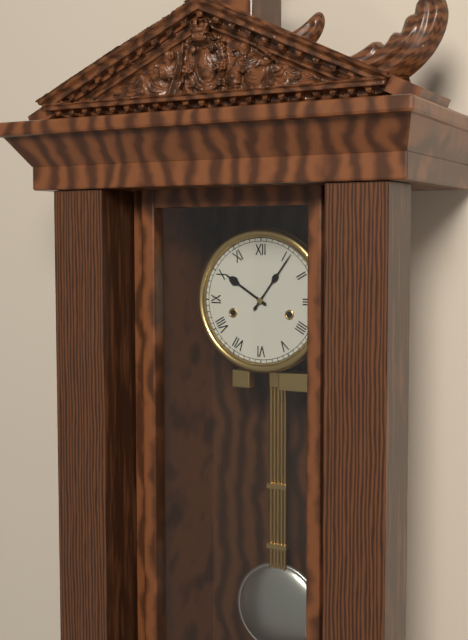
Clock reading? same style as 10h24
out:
10h06
